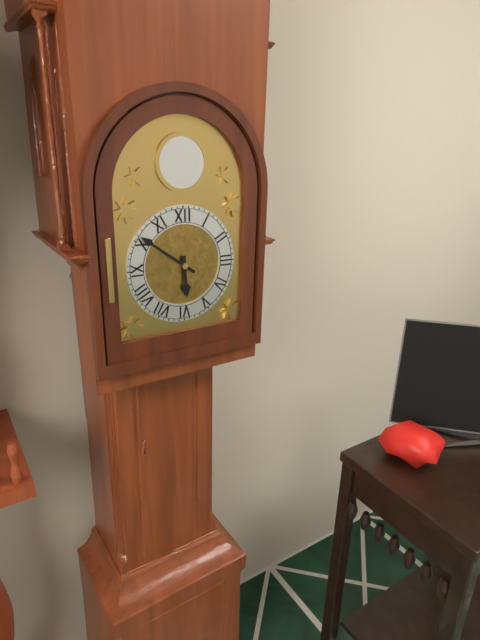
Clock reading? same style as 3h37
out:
5h51
